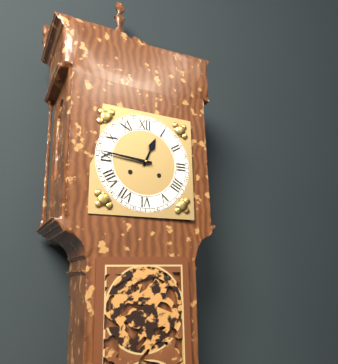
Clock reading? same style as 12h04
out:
12h46
